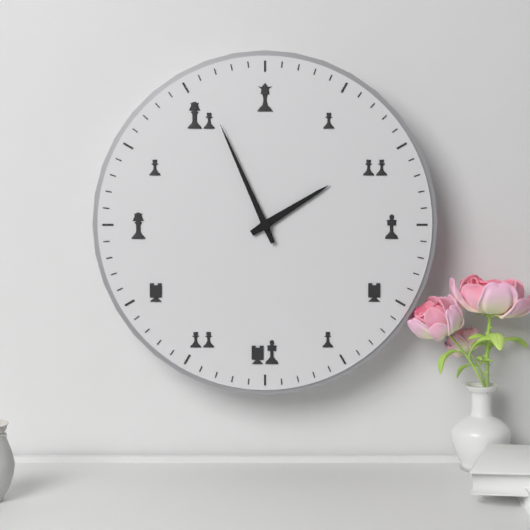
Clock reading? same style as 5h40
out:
1h56
